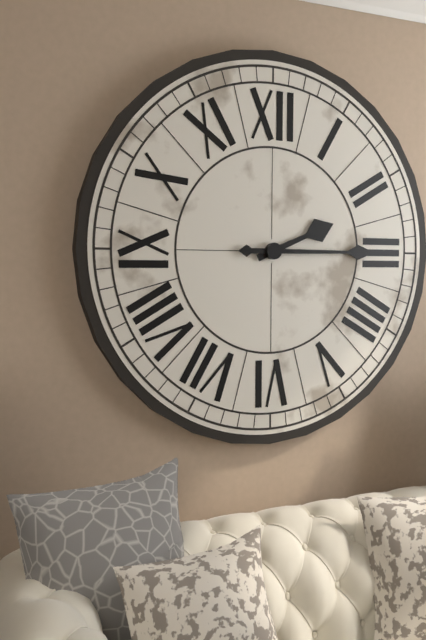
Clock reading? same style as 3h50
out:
2h15
